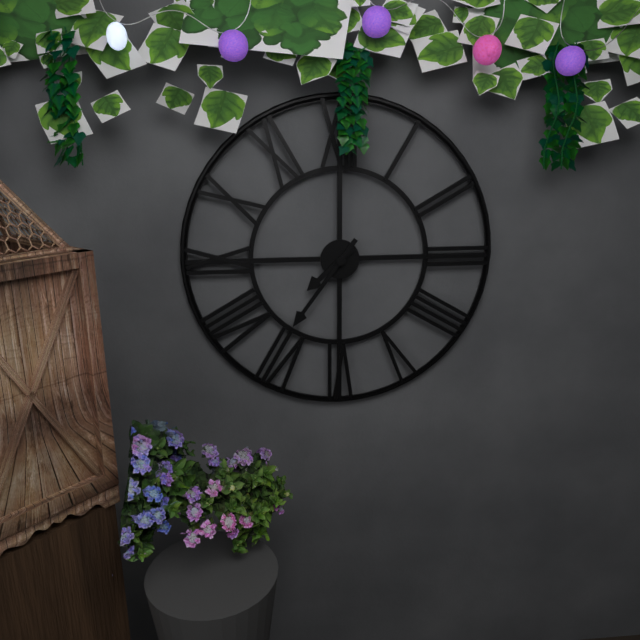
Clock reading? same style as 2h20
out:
7h36
